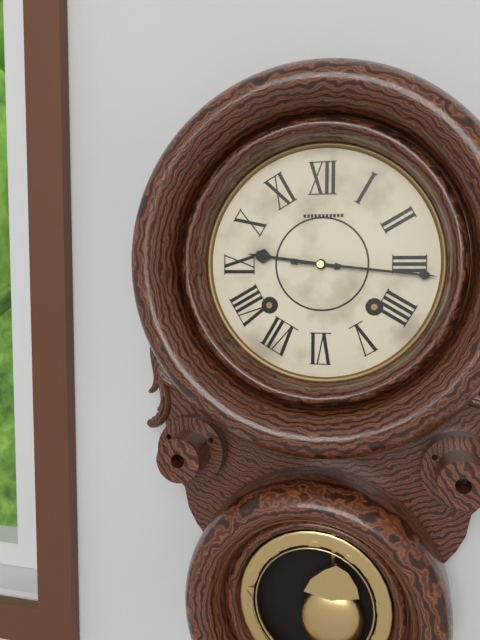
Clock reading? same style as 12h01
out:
9h16
